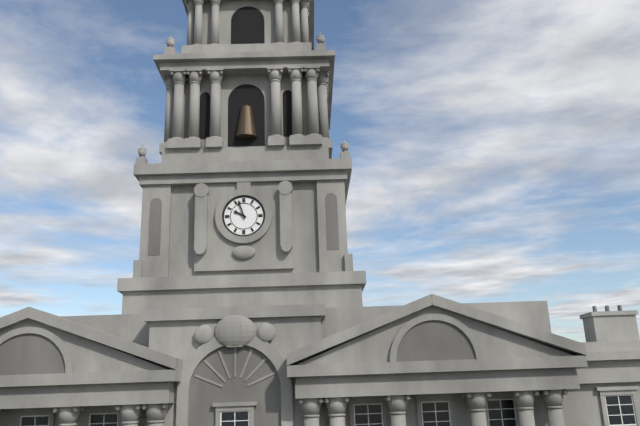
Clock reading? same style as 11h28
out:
9h57
